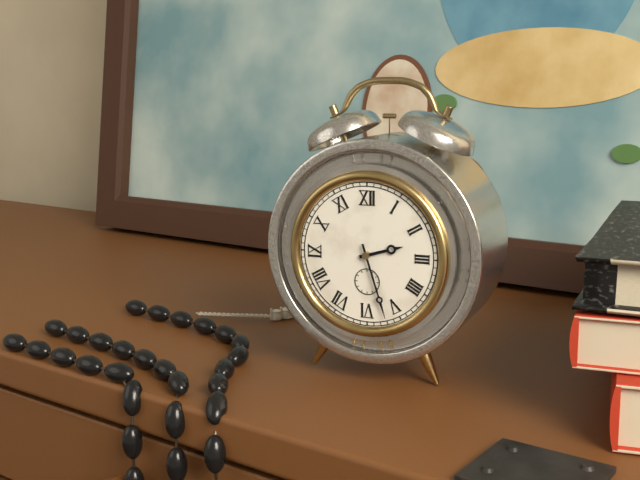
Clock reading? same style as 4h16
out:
2h27
